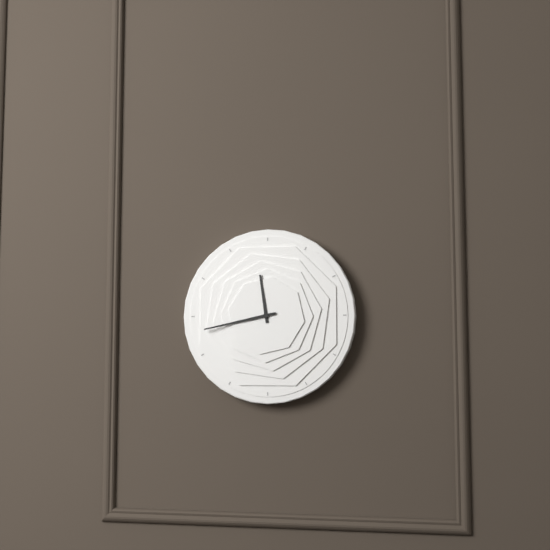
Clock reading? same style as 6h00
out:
11h43
